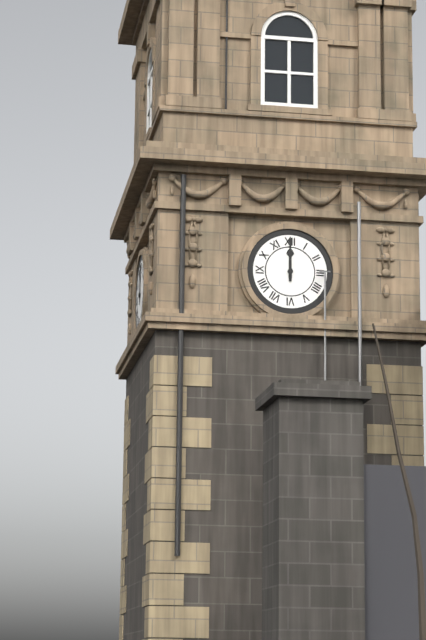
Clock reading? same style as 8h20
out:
12h00
